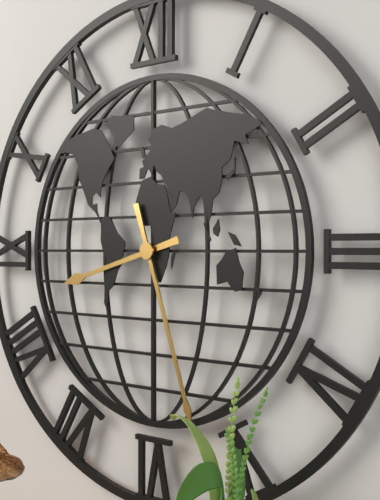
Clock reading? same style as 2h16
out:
8h27
